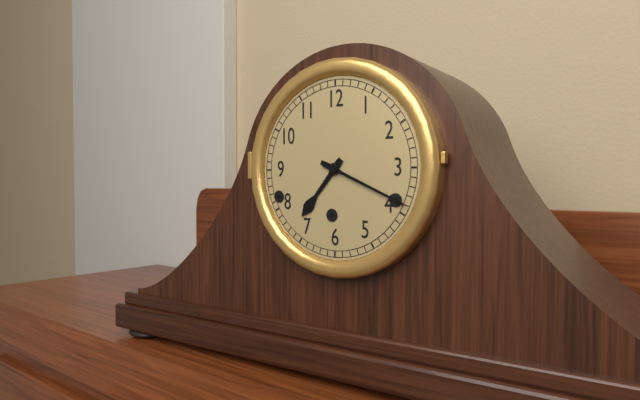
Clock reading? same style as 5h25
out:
7h19
